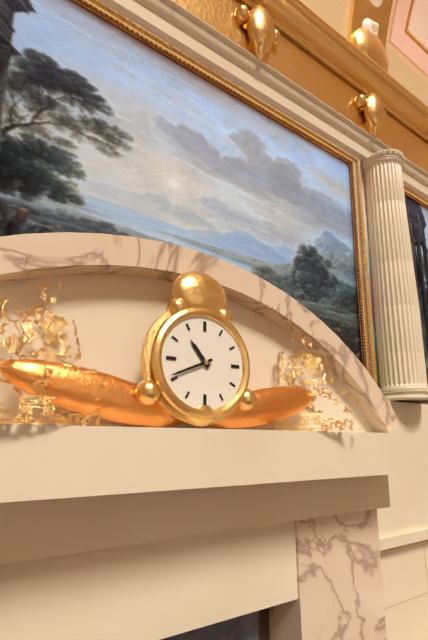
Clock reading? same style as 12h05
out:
10h41
